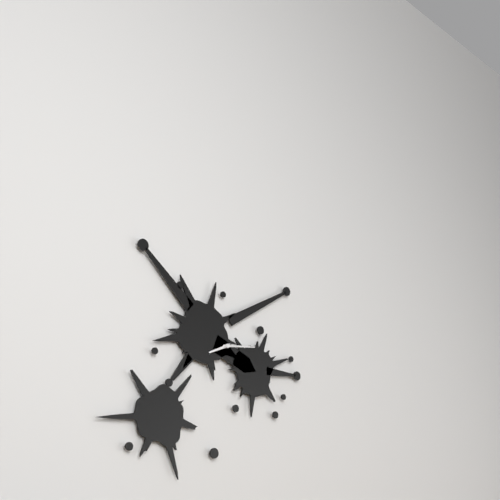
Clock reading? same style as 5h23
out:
8h14
